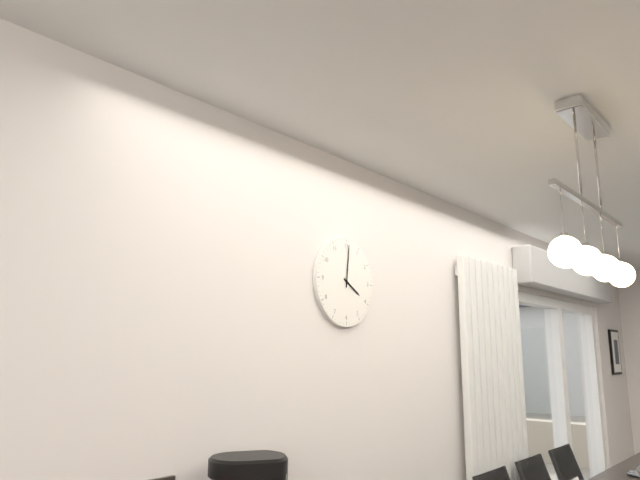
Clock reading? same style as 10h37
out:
4h01
